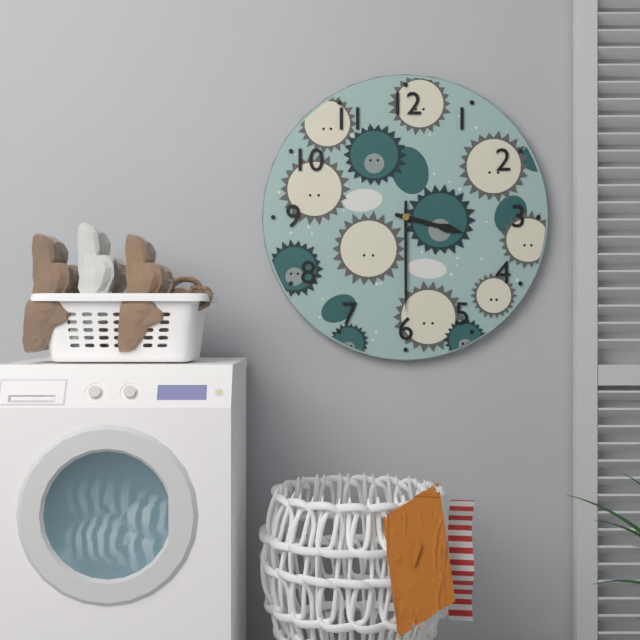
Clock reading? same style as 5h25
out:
3h30
